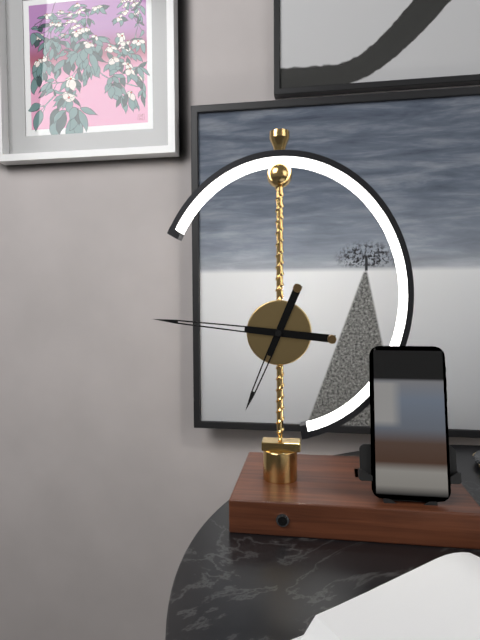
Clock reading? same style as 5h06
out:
6h46
